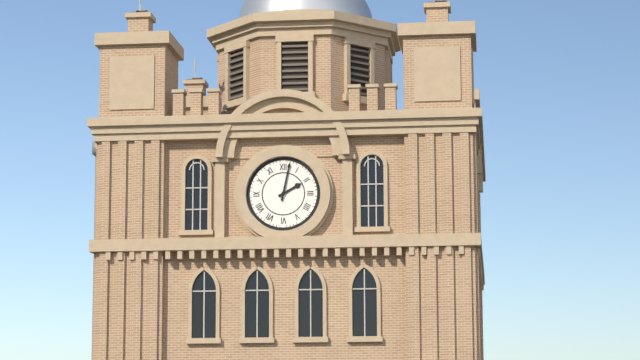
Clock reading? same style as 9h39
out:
2h02
